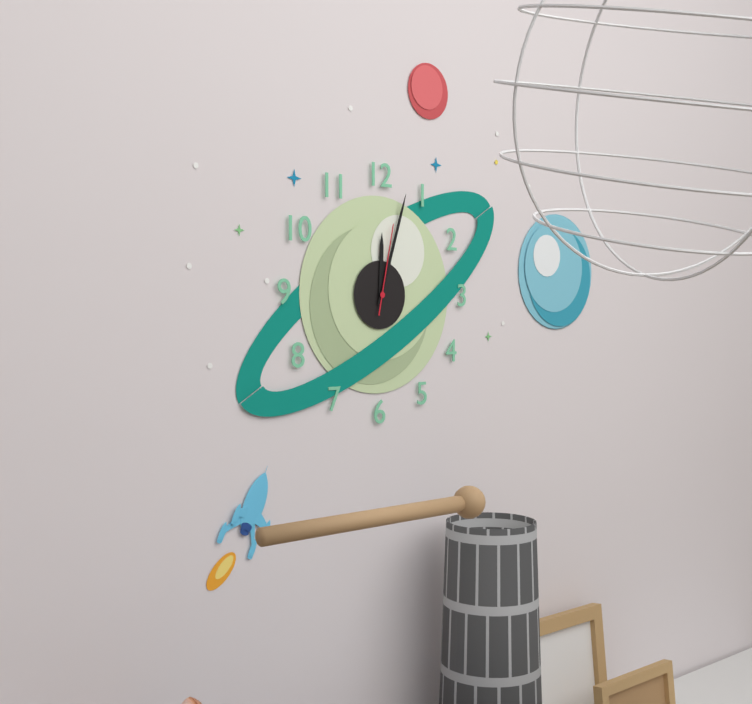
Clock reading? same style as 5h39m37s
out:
12h03m02s
